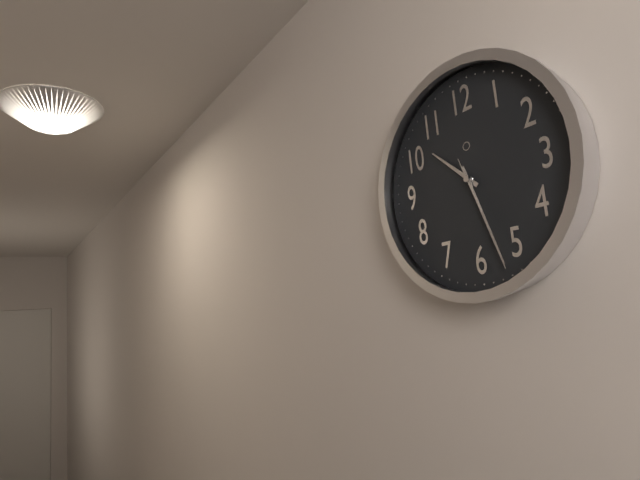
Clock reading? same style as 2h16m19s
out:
10h27m27s
